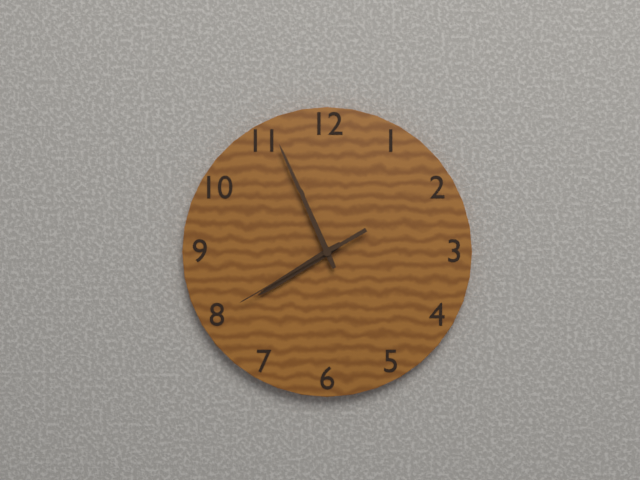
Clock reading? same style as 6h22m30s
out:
7h56m40s
